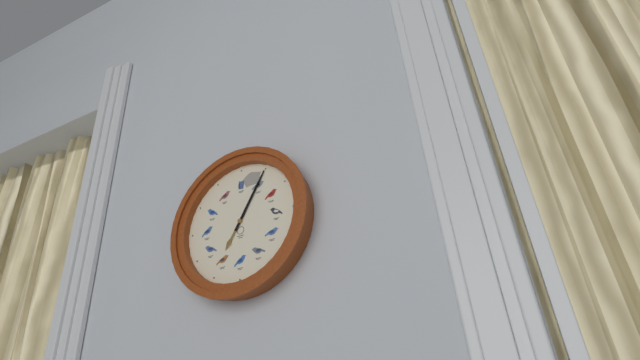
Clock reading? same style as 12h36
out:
7h05
